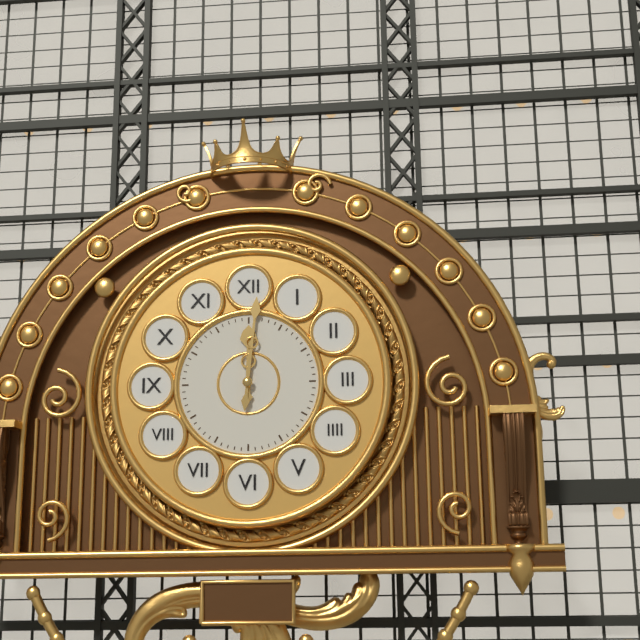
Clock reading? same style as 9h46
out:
12h01
